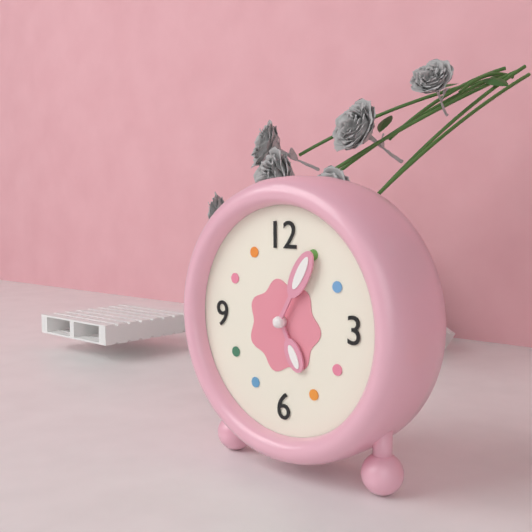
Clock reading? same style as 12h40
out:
5h05
